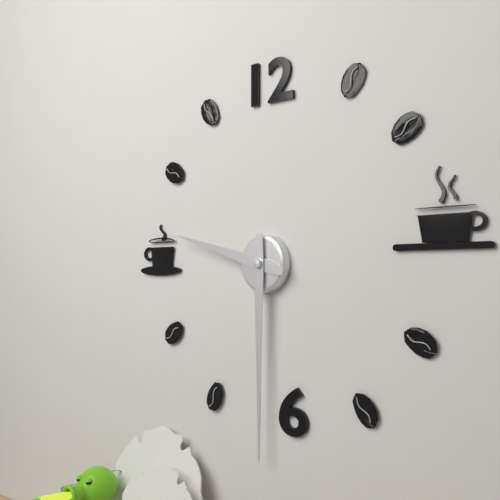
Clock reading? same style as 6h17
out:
9h30
